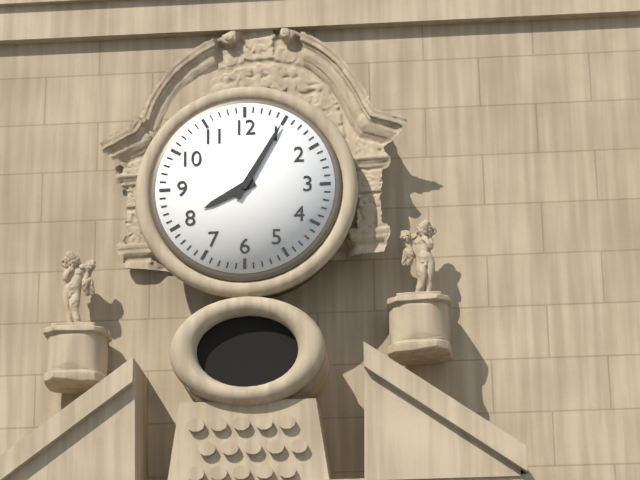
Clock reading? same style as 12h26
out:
8h05
